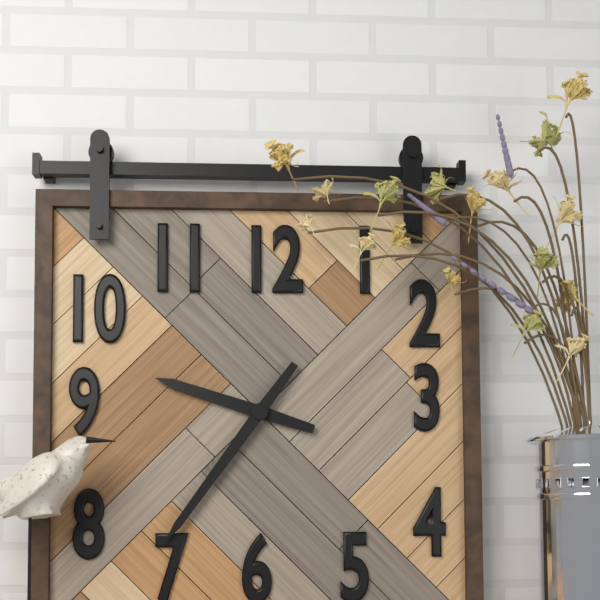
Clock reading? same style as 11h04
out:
9h36
